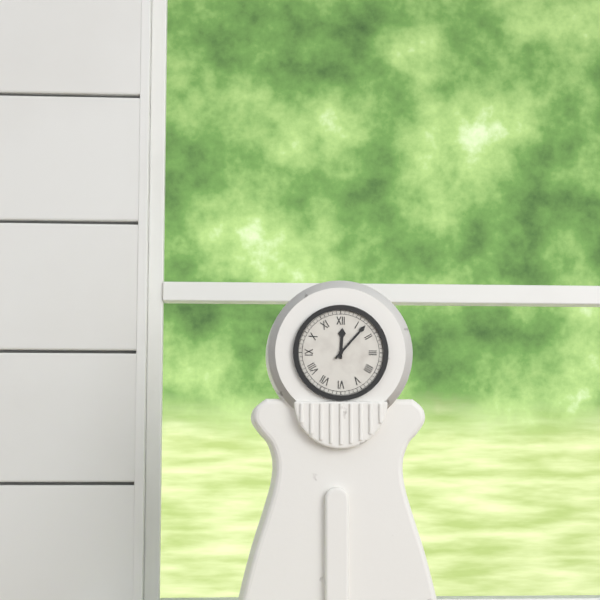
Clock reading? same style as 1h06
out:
12h07
